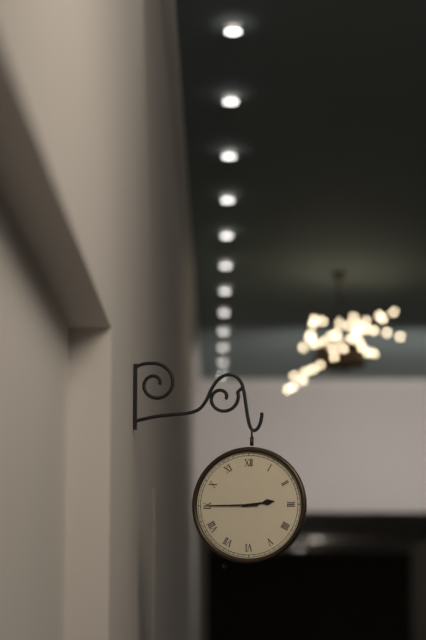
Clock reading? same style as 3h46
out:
2h45
